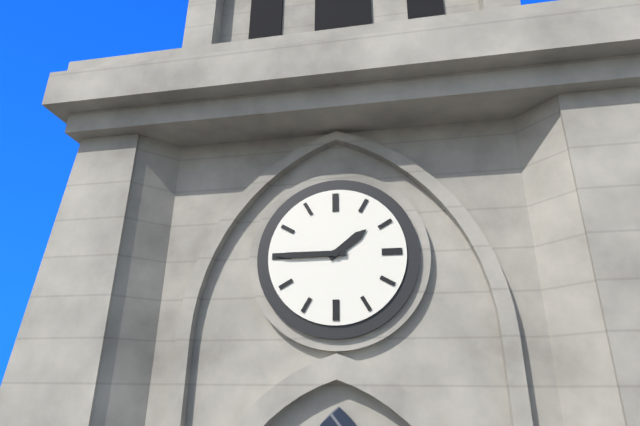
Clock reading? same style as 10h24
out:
1h45
